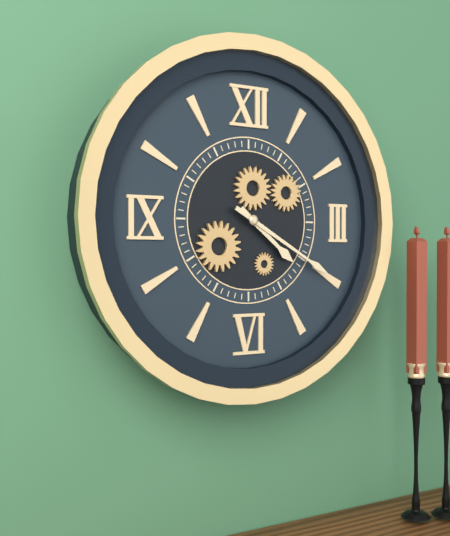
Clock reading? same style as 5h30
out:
4h20
